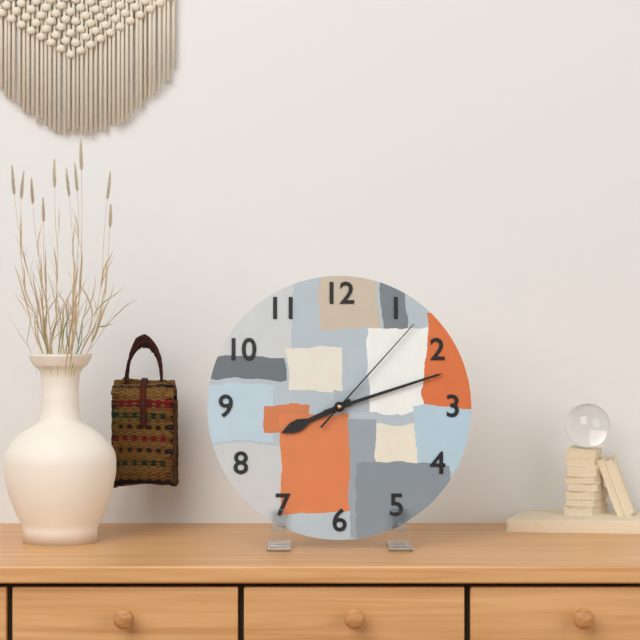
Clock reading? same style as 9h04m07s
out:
8h12m07s
